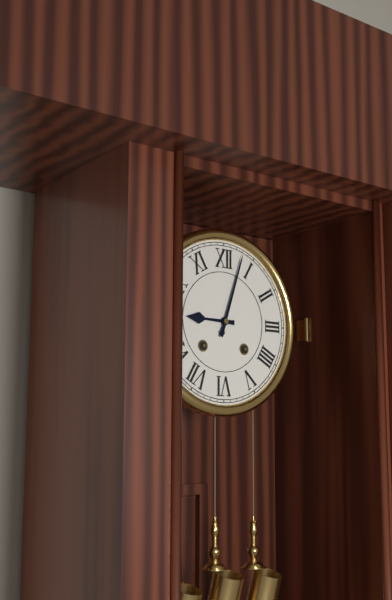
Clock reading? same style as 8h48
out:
9h03
